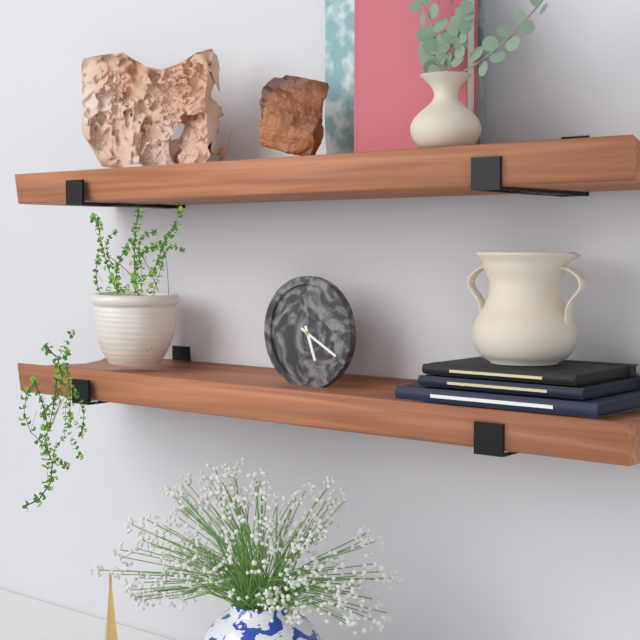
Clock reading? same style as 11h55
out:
5h20
